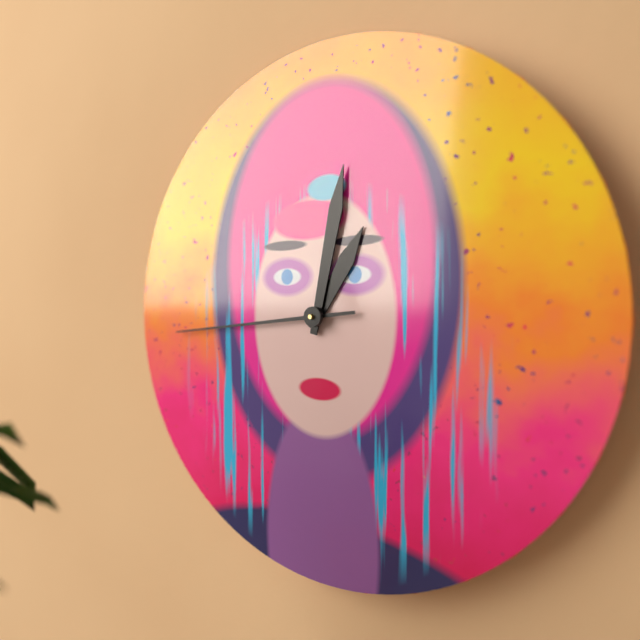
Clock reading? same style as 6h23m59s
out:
1h02m44s
